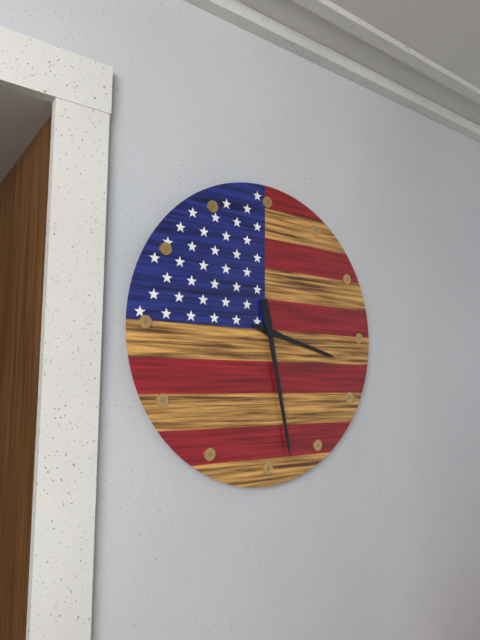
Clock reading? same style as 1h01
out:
3h28
